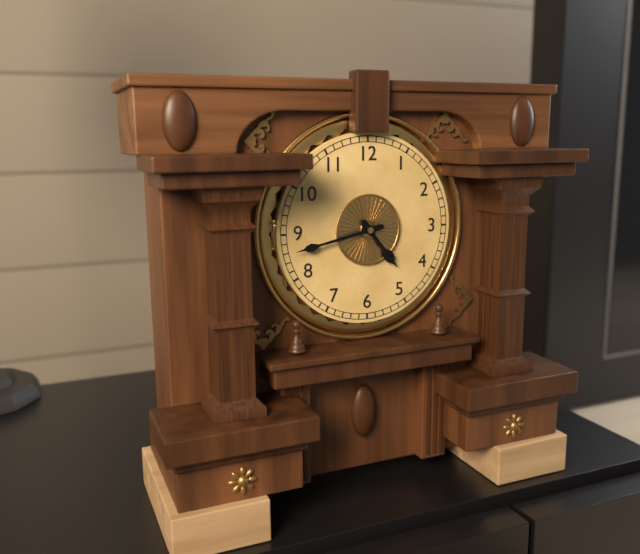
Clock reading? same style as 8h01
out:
4h43
